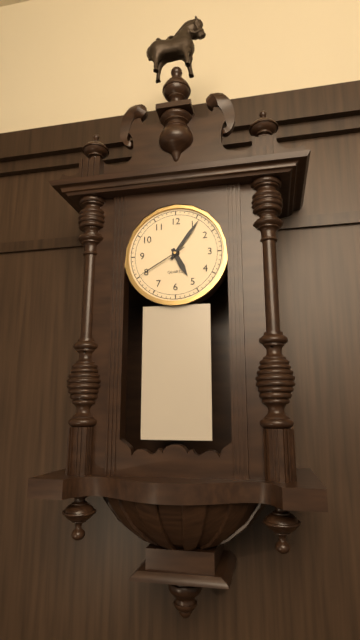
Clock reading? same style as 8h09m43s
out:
5h06m40s
